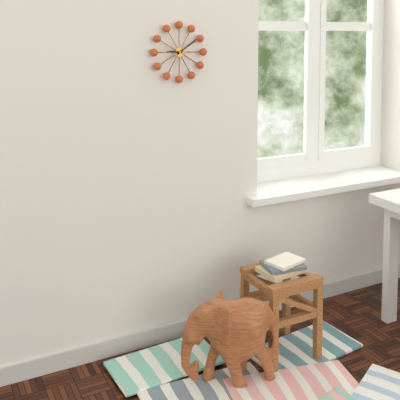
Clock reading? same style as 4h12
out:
9h09
